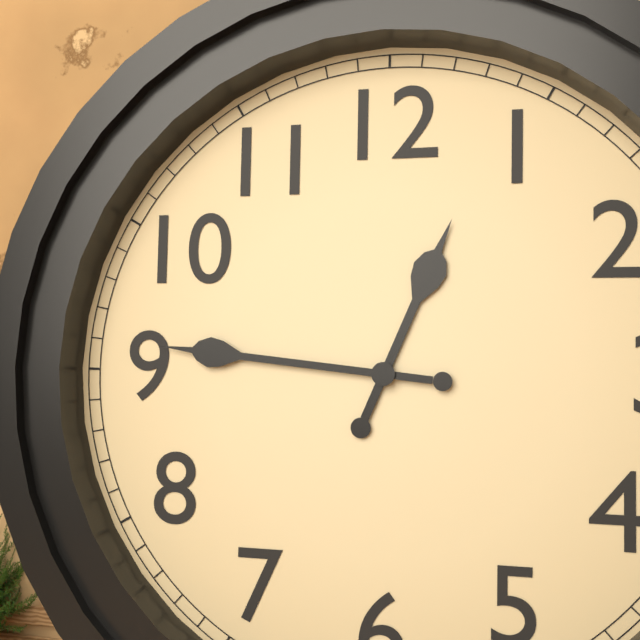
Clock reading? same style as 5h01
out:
12h46
